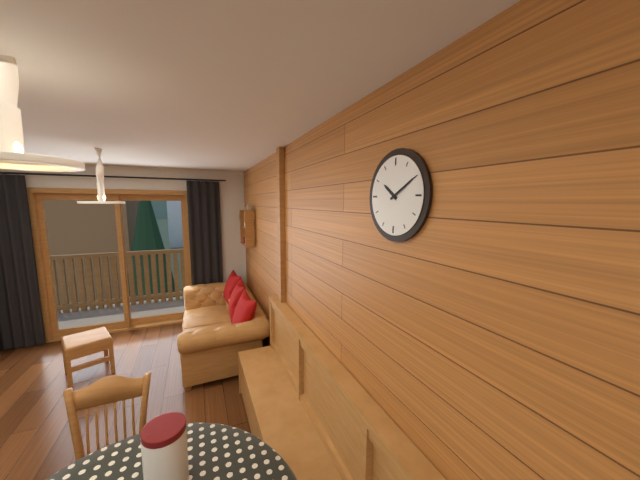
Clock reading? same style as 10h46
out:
10h10
